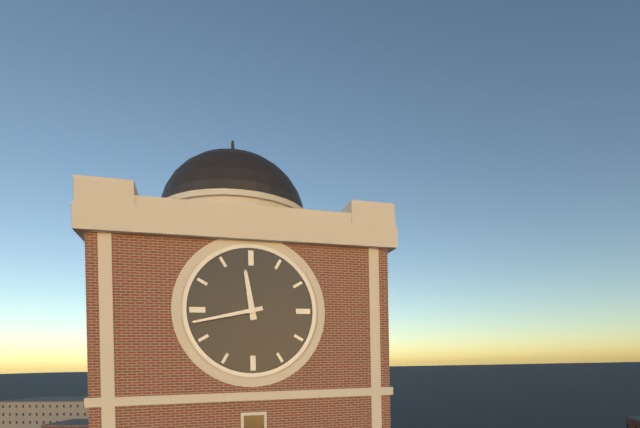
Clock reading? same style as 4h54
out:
11h43
